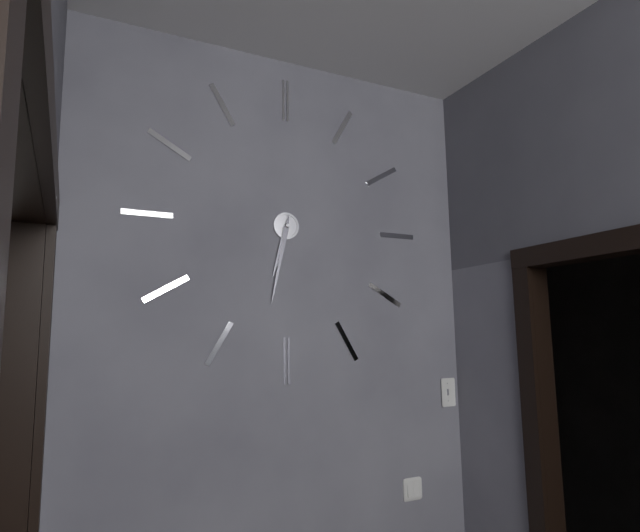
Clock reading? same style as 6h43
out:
6h32
